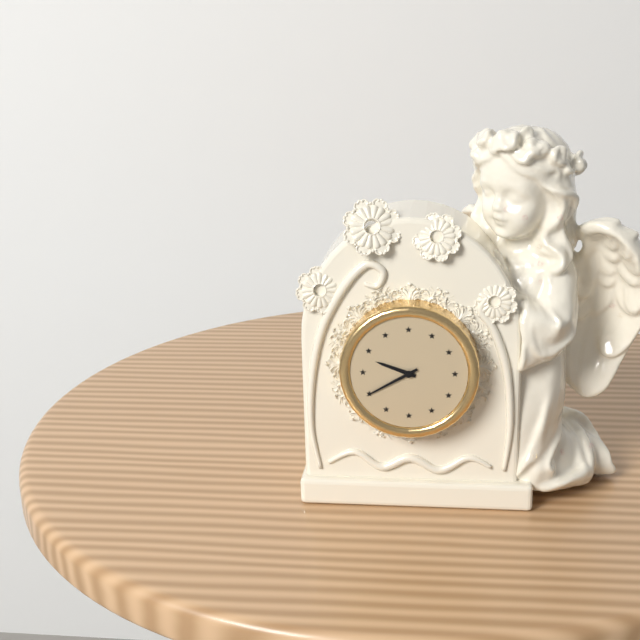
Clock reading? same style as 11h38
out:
9h40
